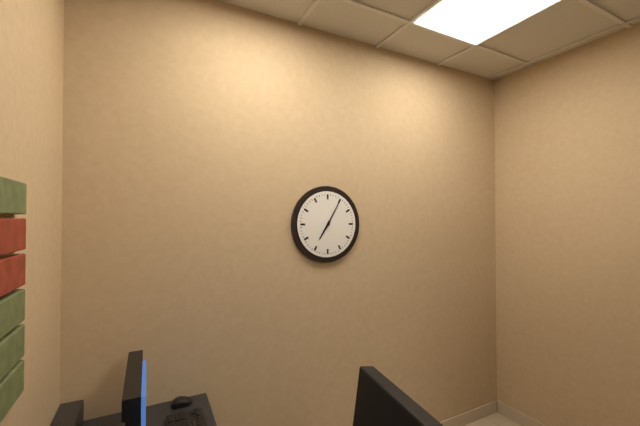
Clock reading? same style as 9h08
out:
7h05
